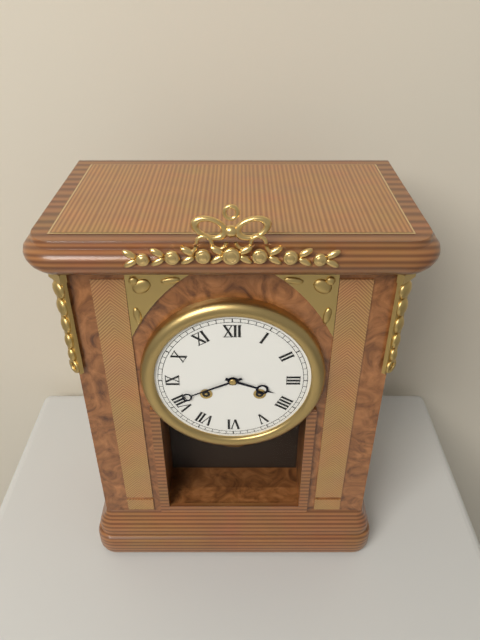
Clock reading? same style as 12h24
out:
3h41
